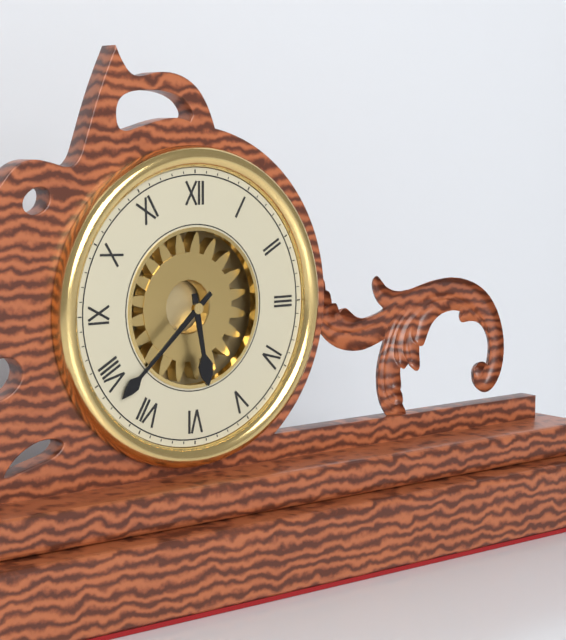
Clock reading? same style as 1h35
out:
5h38
